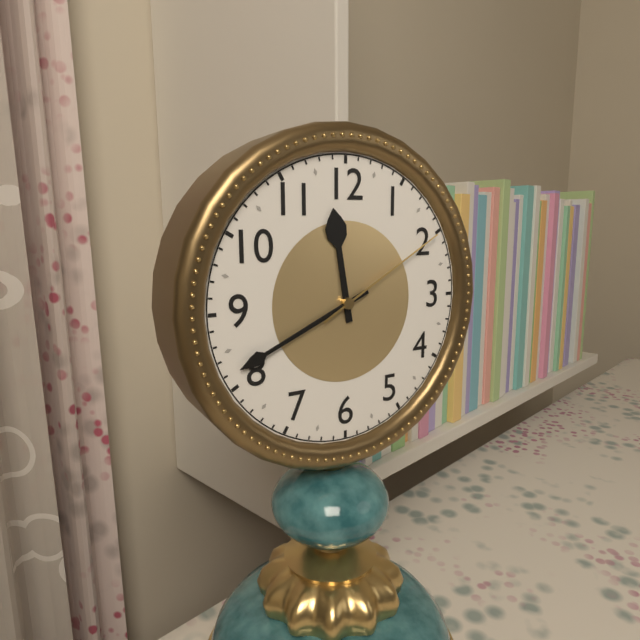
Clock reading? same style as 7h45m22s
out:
11h41m10s
